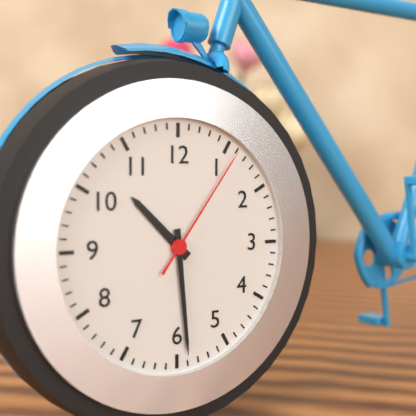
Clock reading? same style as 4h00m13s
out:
10h29m06s
